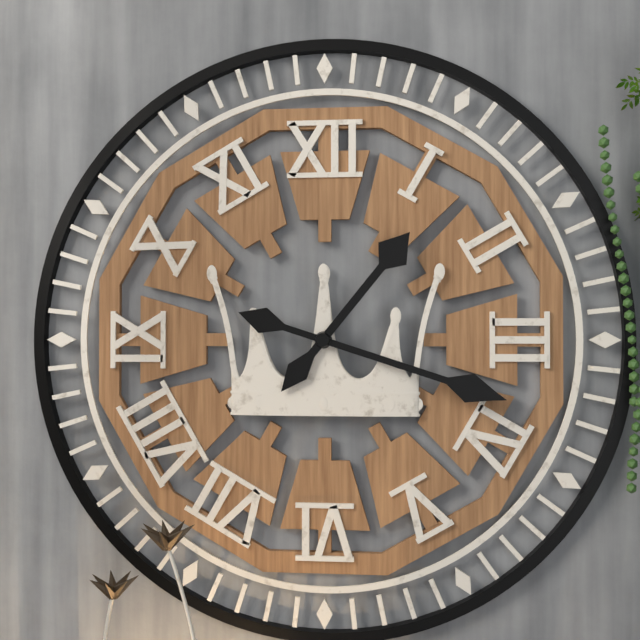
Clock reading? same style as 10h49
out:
1h18
